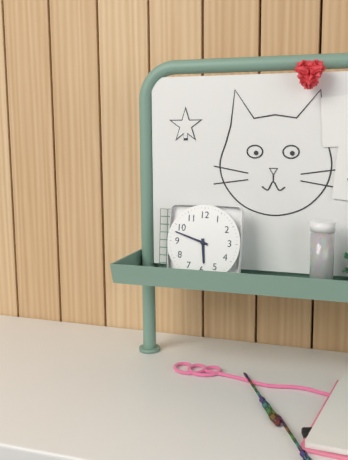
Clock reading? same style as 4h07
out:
5h48
